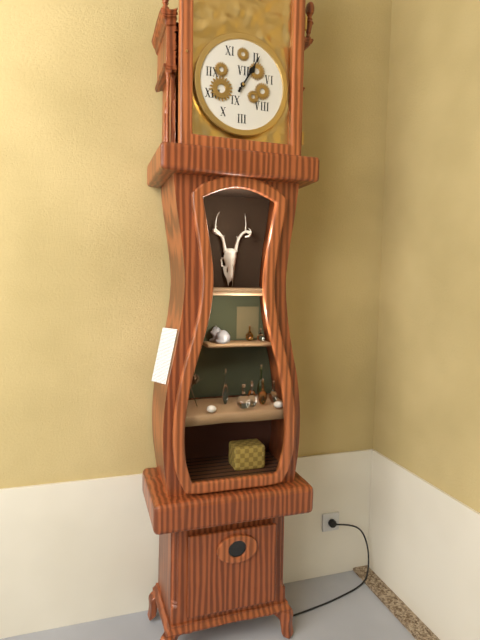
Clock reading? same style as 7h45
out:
1h05
